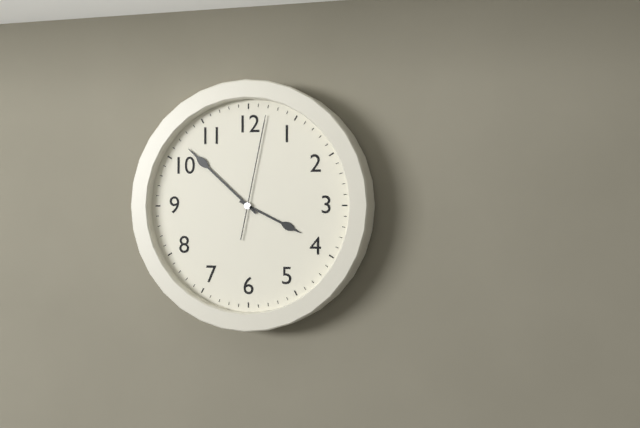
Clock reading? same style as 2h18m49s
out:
3h52m02s
